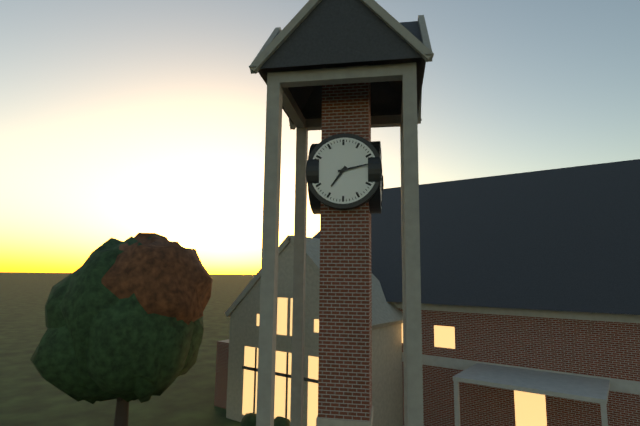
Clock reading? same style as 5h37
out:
7h13
